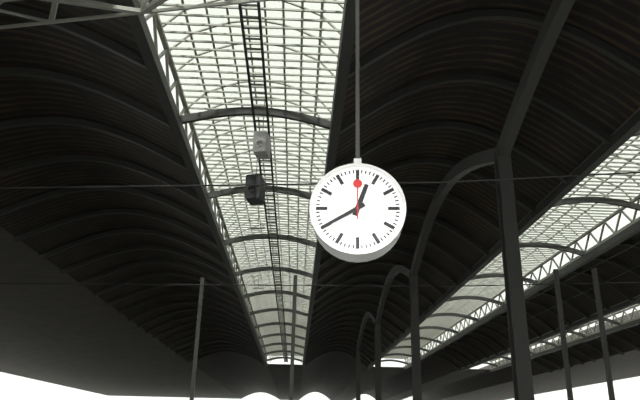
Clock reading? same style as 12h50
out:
12h40
